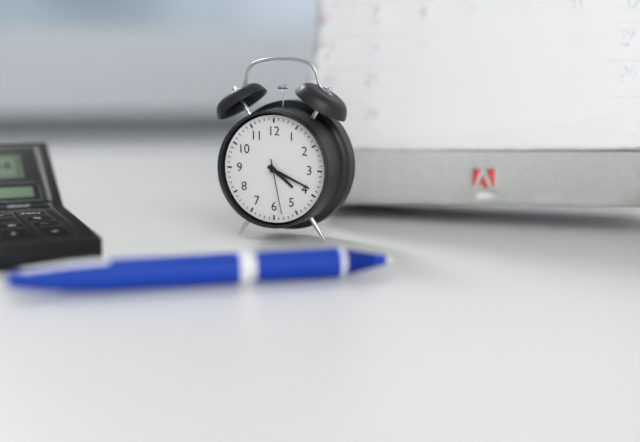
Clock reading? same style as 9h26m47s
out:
4h19m28s
